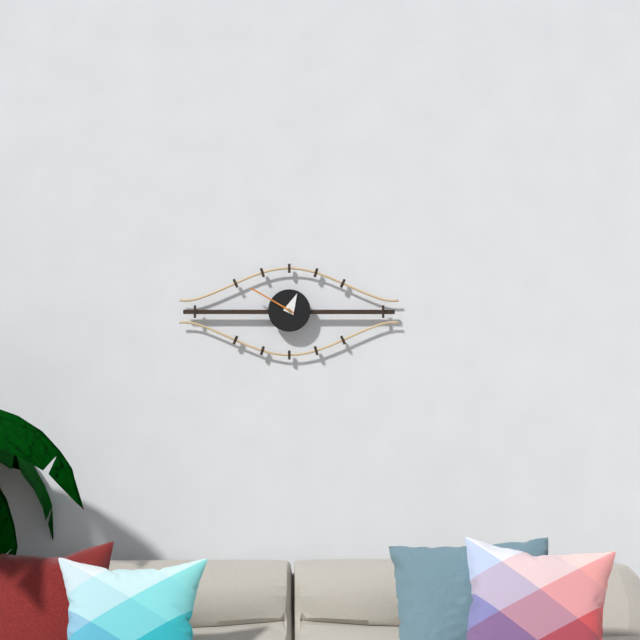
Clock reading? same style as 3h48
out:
12h50
